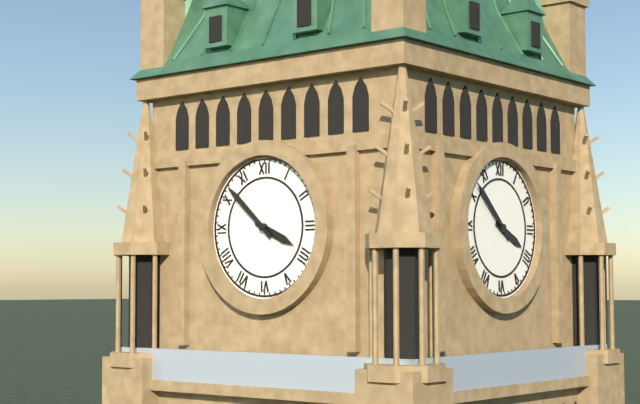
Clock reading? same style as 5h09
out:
3h52
